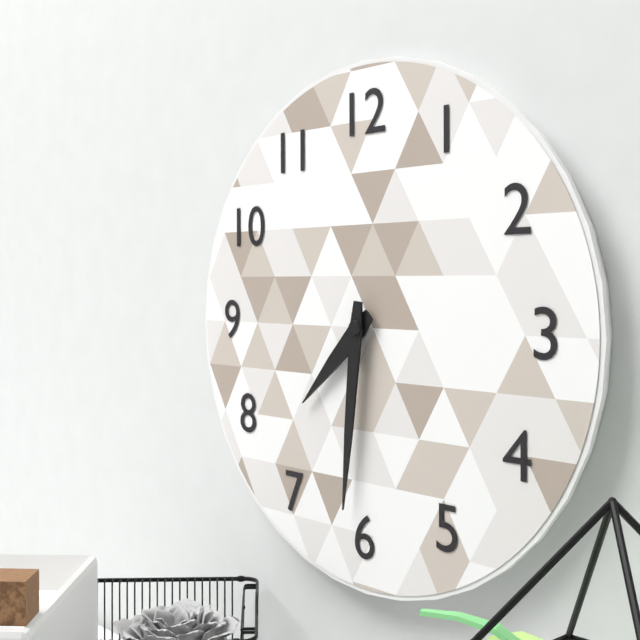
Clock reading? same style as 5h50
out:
7h31
